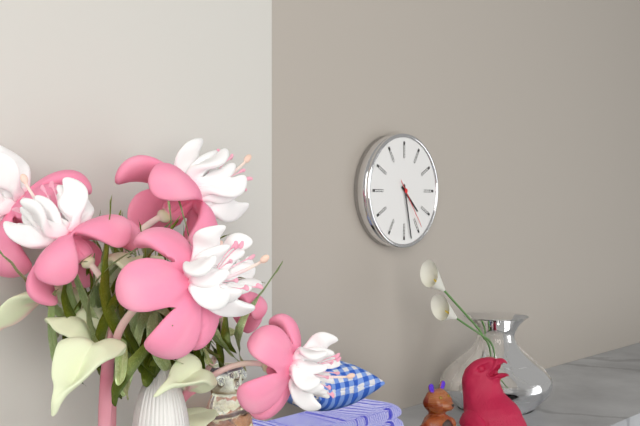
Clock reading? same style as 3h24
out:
4h28
